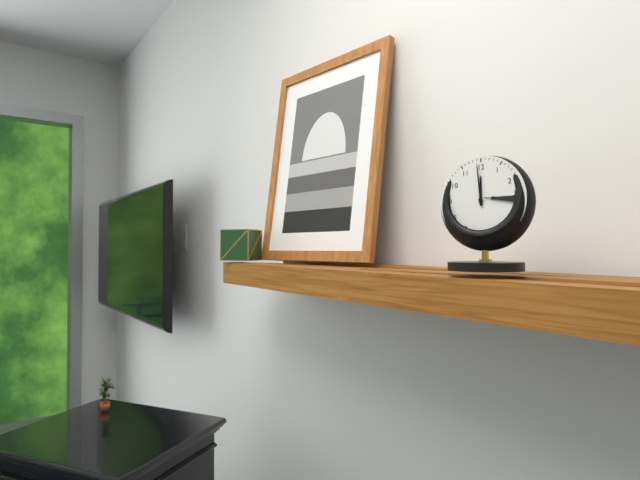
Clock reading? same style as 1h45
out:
11h59
